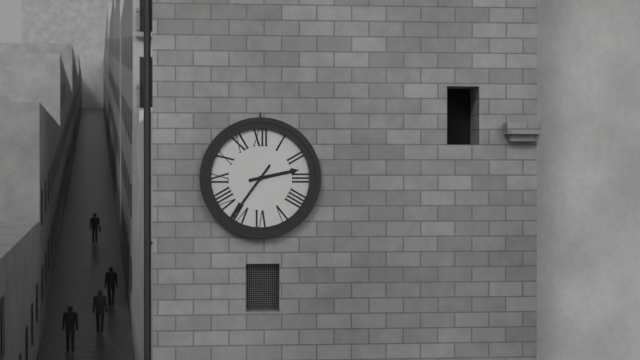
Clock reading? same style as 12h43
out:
2h36
